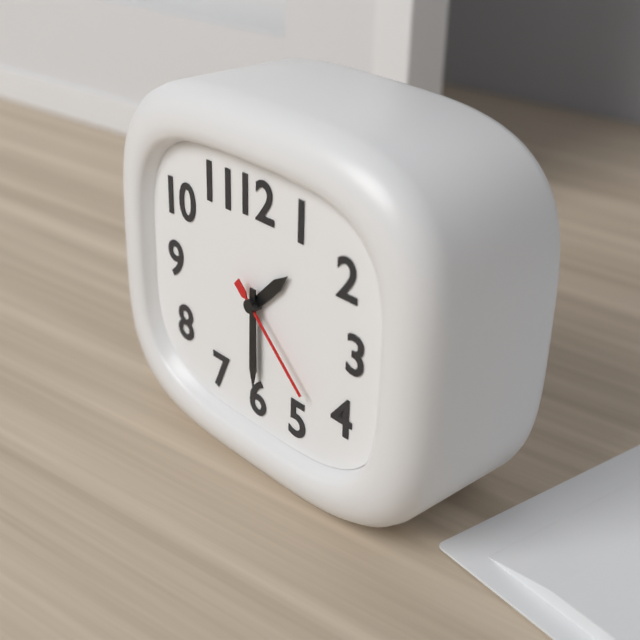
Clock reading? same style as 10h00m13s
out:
1h30m22s
